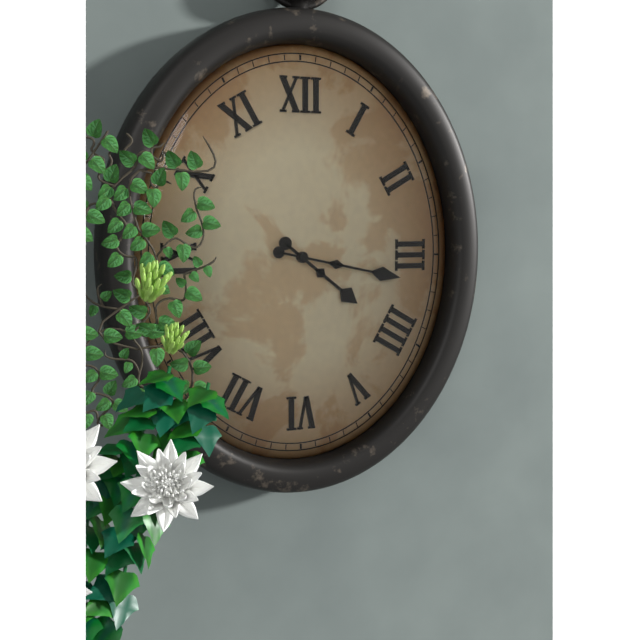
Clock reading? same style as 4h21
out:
4h17
